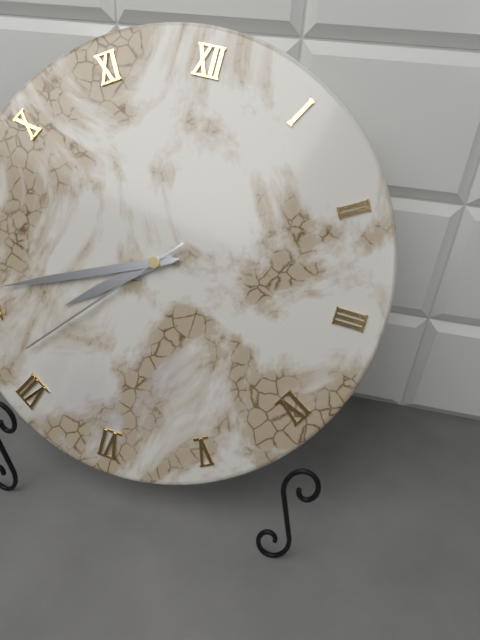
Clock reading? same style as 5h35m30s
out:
7h41m37s
